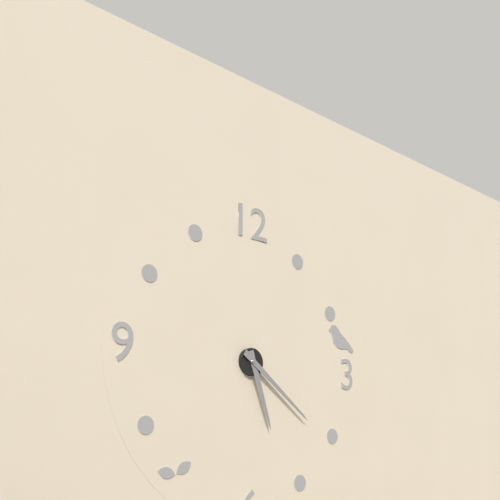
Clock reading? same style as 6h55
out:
5h21
